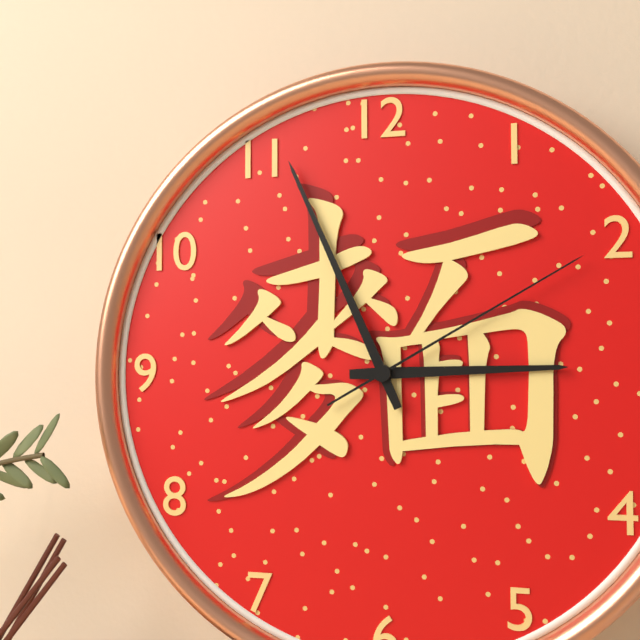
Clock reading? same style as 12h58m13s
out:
2h56m10s
